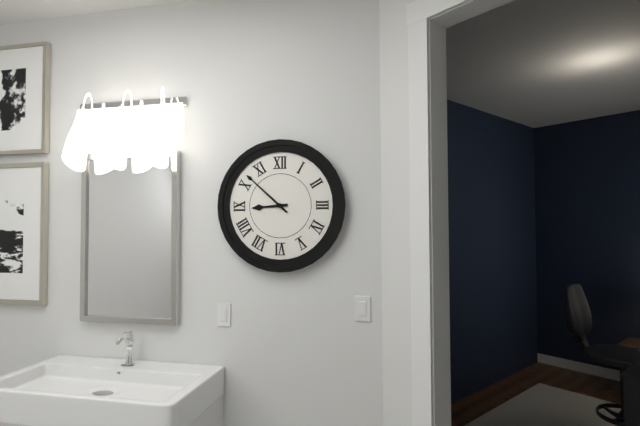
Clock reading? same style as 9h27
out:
8h52
